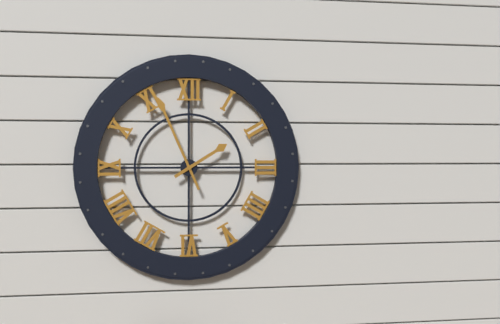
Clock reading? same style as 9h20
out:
1h56
